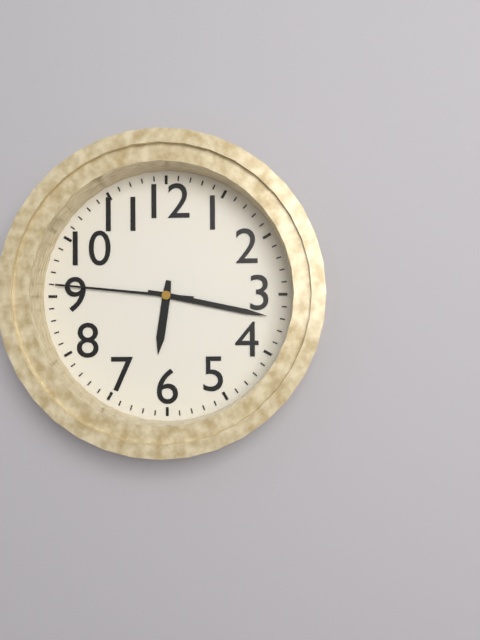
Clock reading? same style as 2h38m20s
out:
6h17m46s
